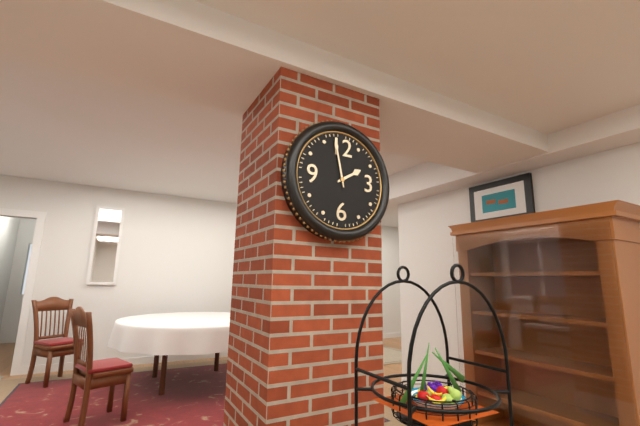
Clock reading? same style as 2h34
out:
1h58
